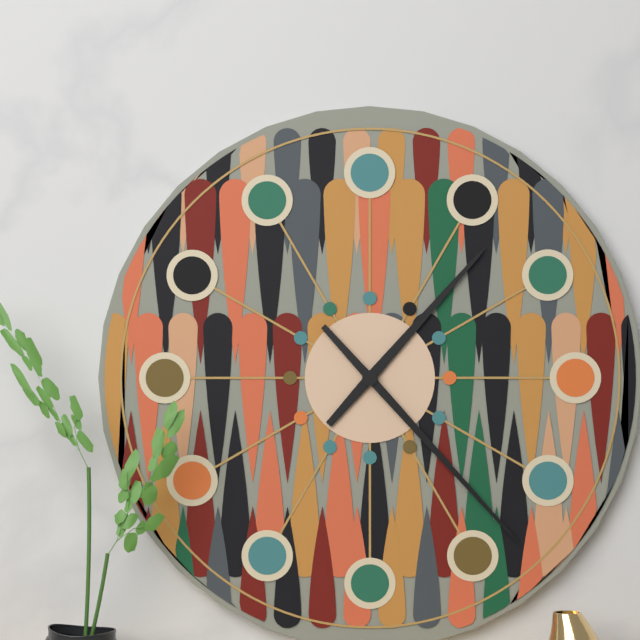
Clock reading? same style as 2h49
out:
1h23
